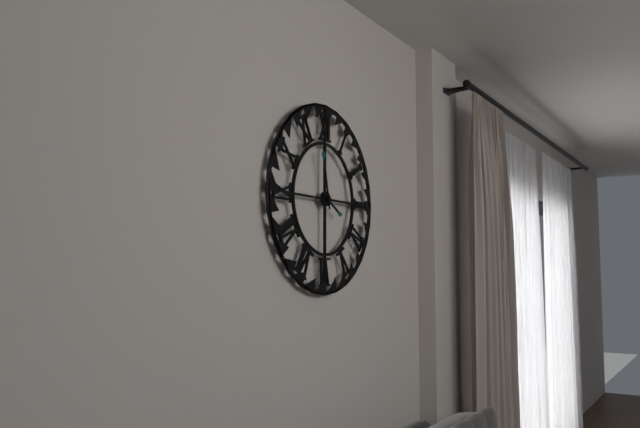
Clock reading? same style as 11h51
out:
3h58
